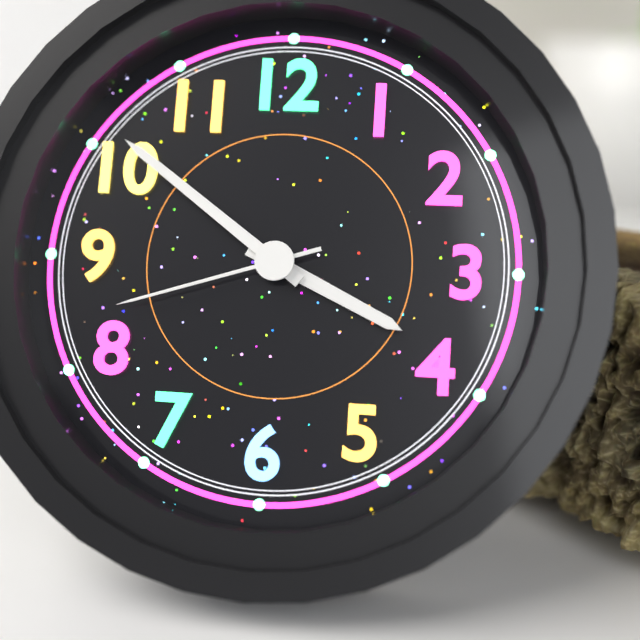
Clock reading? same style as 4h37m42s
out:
3h51m42s
